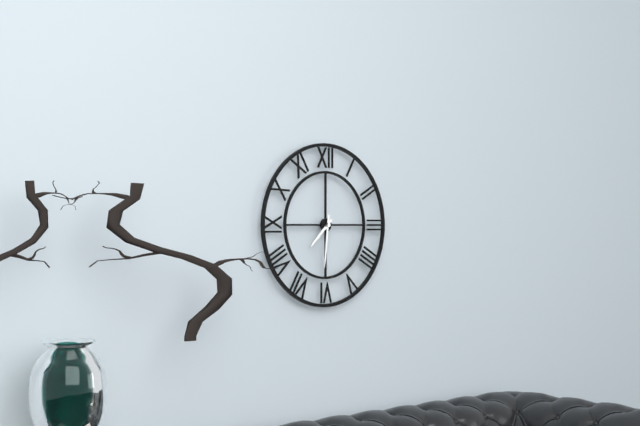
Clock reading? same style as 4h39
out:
7h31
